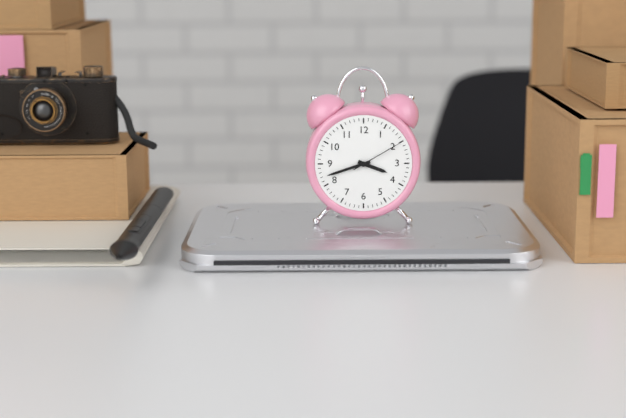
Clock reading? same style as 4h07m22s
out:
3h42m10s
